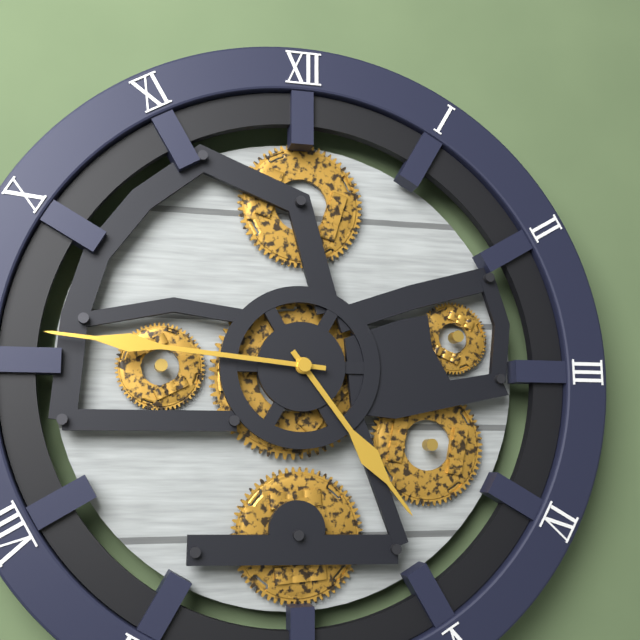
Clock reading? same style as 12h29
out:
4h46
